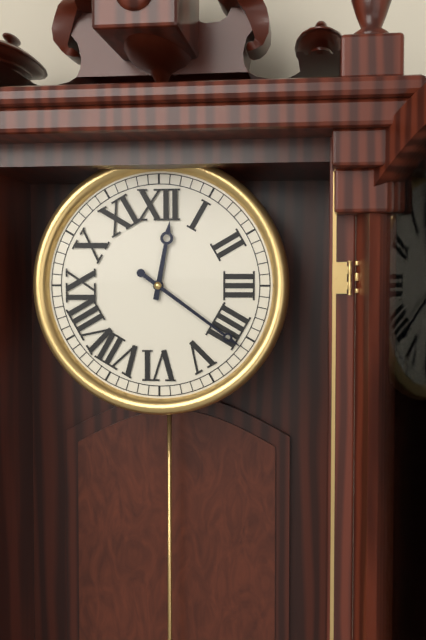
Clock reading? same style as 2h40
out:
12h21
